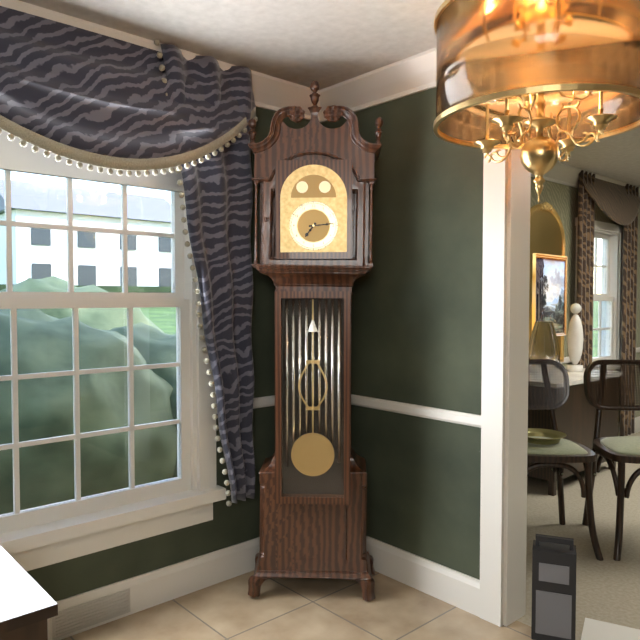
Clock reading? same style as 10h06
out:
7h14
